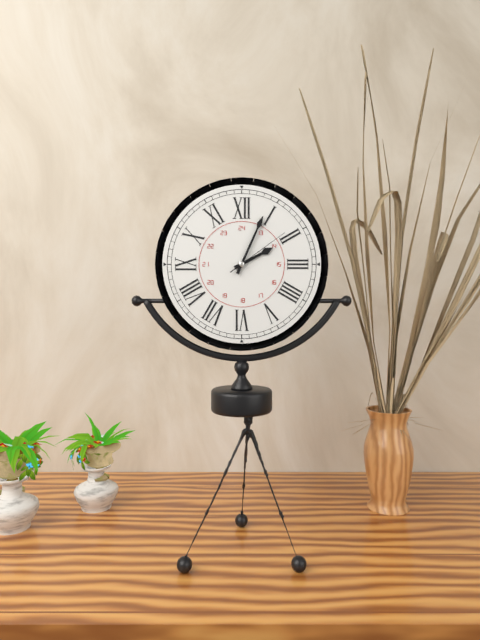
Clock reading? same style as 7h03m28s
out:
2h04m09s
